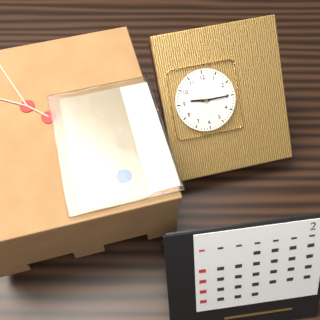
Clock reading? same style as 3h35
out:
9h15
